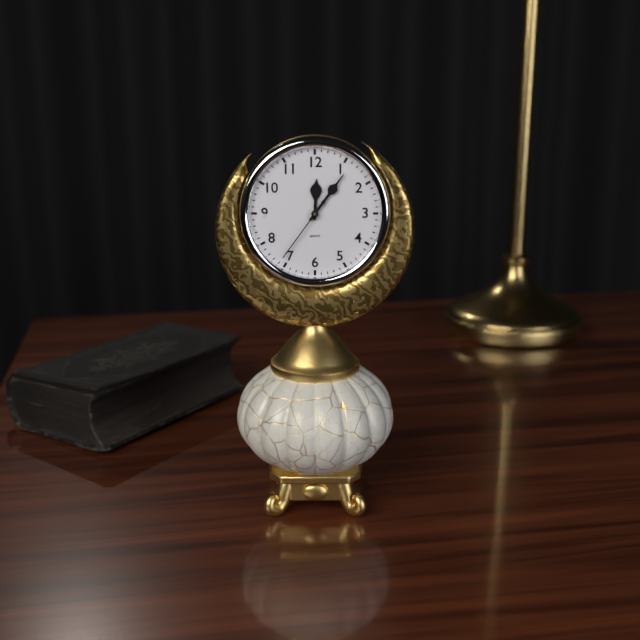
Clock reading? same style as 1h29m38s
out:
12h06m36s
